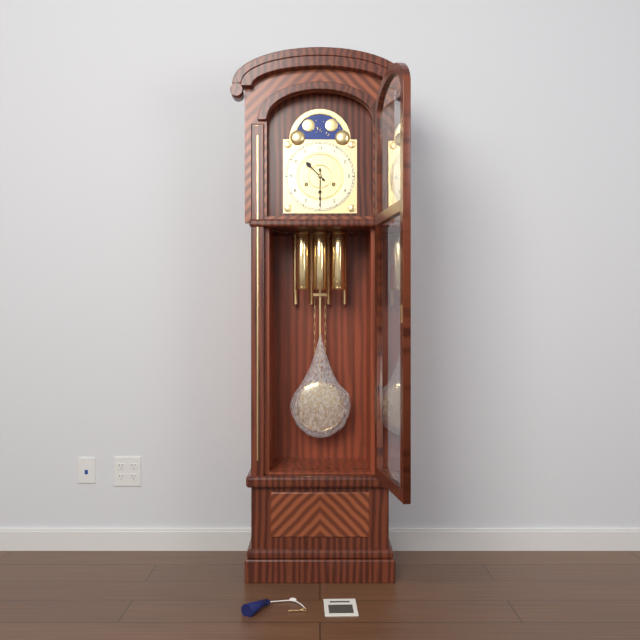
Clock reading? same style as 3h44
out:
10h30
